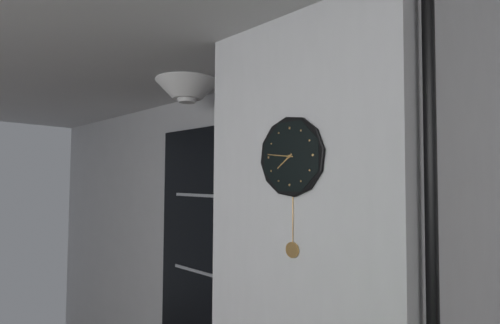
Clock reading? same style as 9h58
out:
7h46
